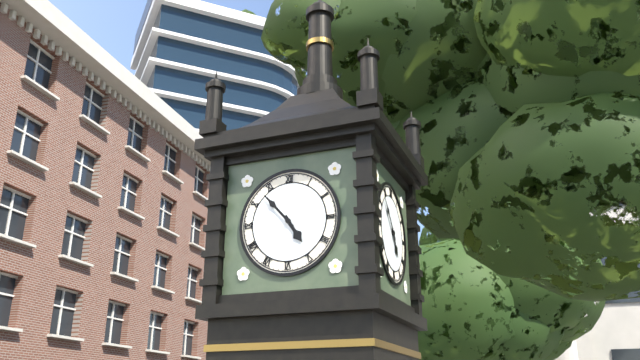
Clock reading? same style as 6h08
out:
4h53
